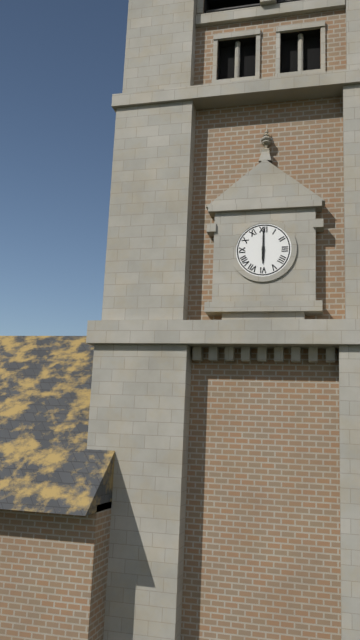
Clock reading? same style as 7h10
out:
6h00
